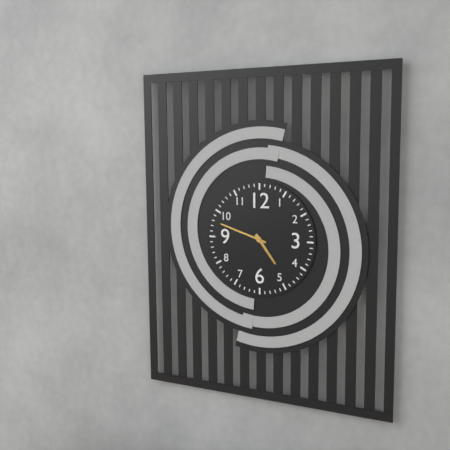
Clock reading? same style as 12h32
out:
4h48
